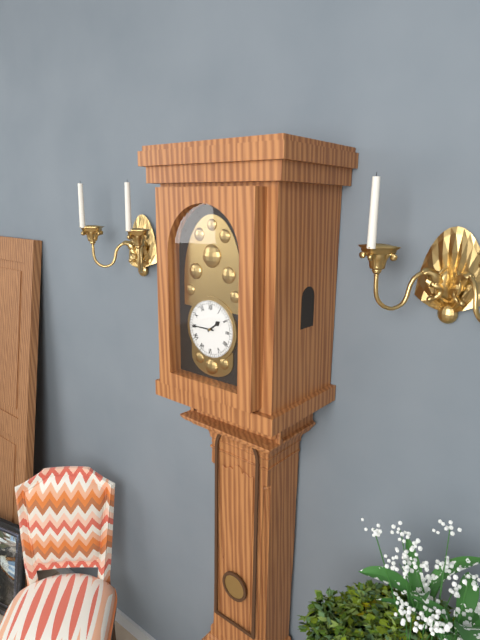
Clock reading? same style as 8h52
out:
1h45
